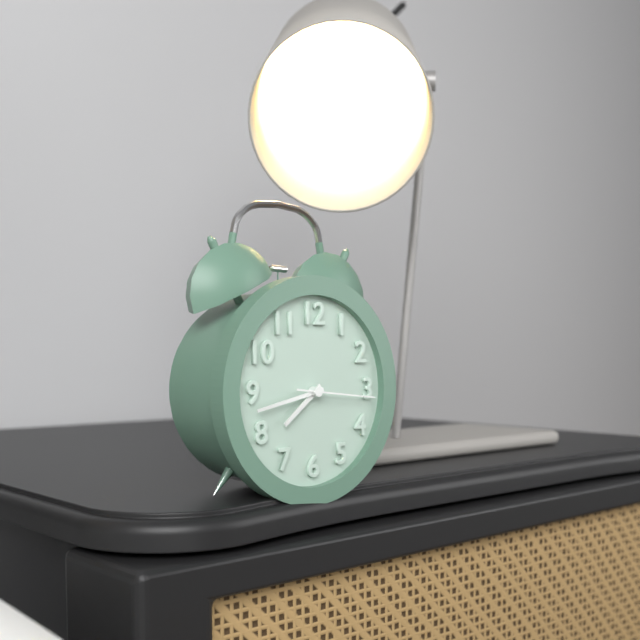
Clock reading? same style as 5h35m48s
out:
7h43m16s
